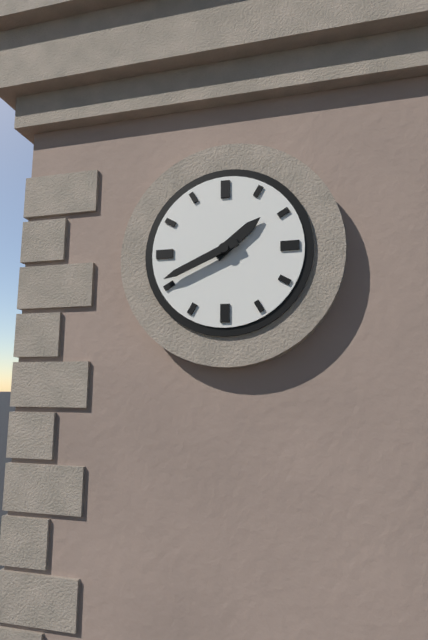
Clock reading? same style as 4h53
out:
1h41
